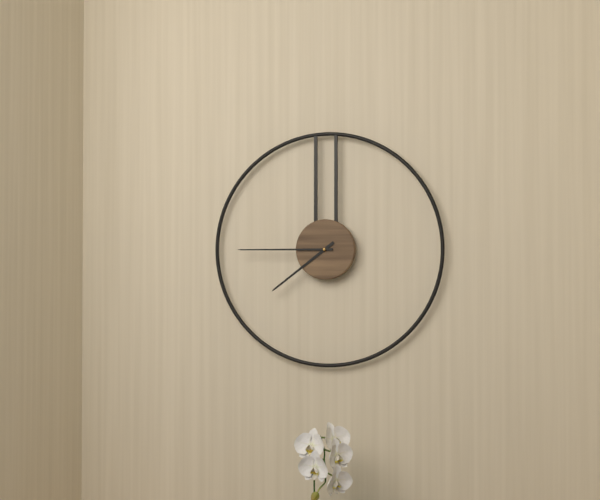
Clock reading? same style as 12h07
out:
7h45
